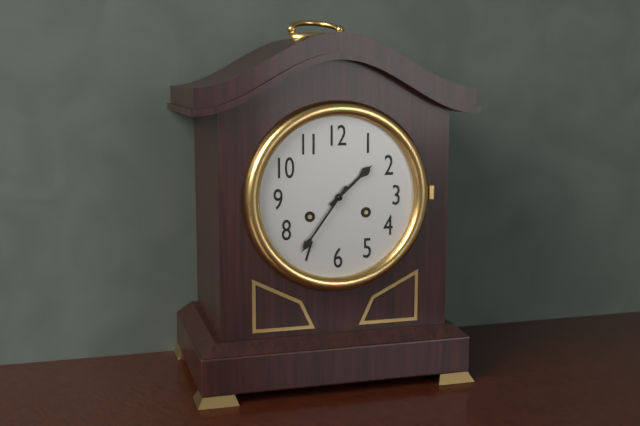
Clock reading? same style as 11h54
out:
1h36
